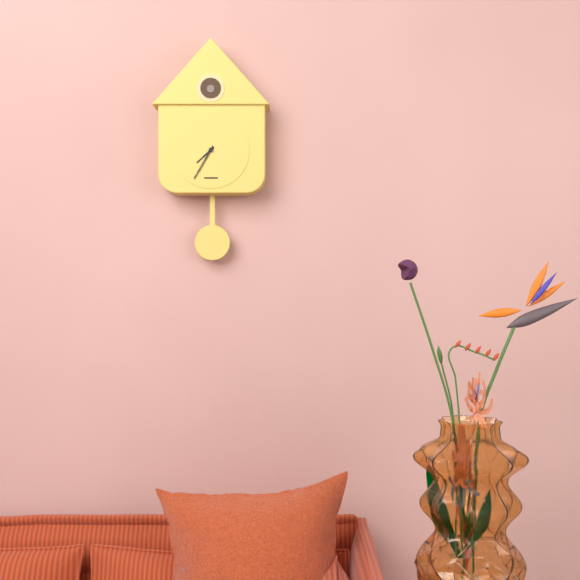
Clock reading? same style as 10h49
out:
7h35
